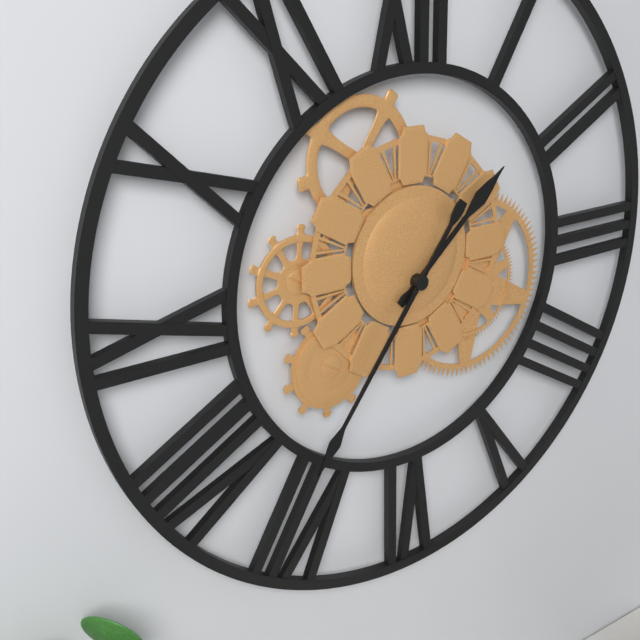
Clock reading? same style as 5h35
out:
1h36
